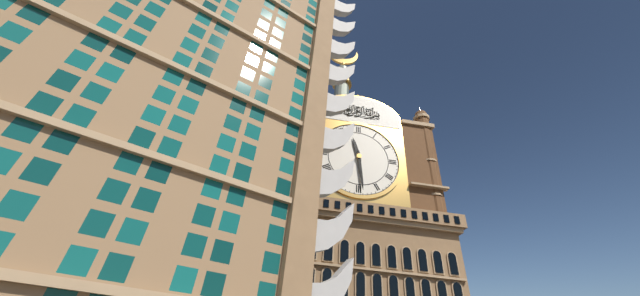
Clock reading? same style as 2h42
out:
11h29
